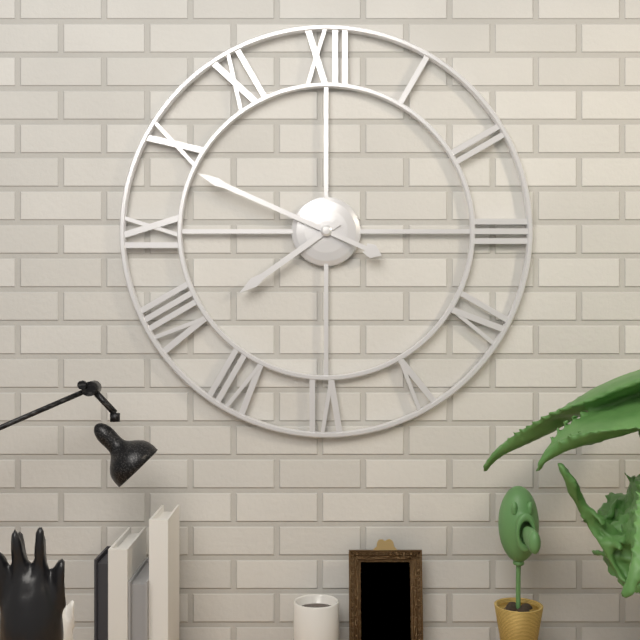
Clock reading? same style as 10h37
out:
7h49
